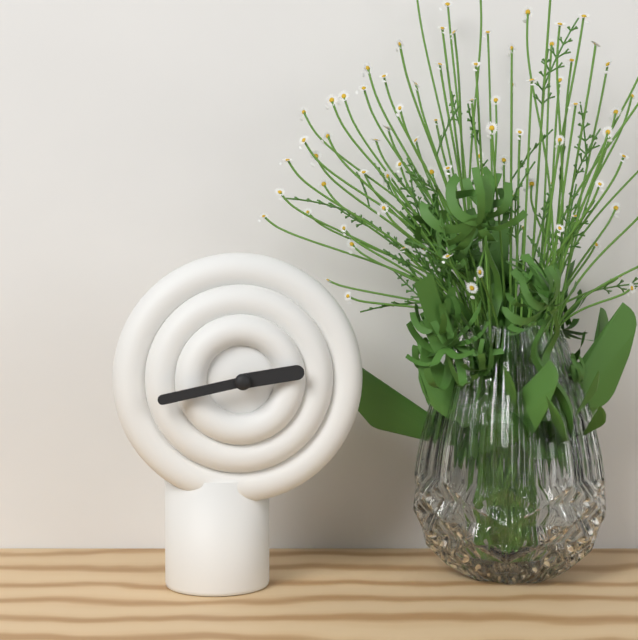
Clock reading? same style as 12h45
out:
2h43
